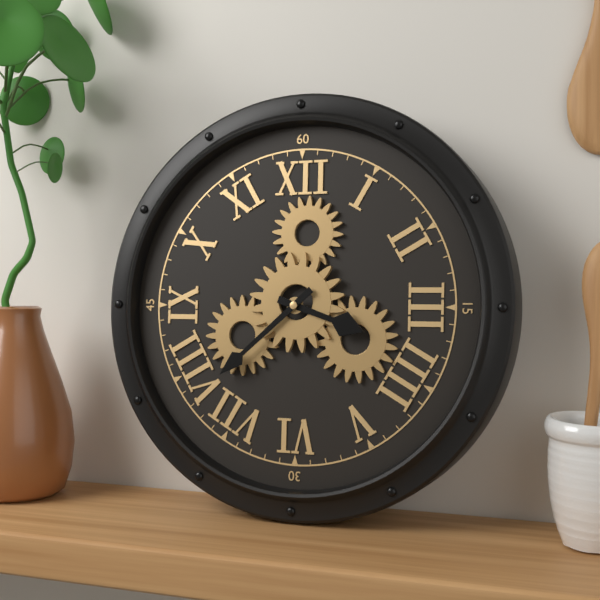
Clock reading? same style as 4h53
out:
3h38
